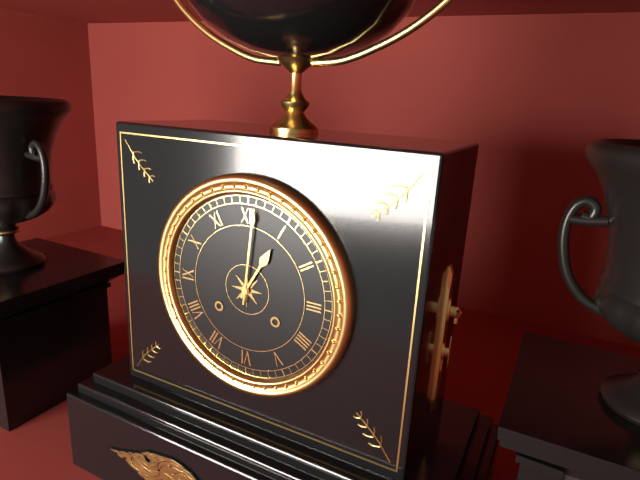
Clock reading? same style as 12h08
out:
1h01
